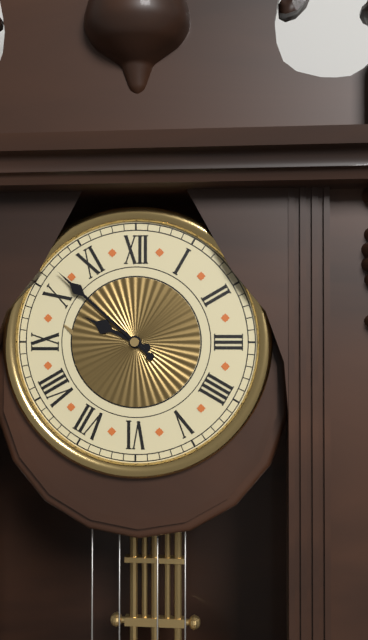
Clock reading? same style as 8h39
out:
9h52
